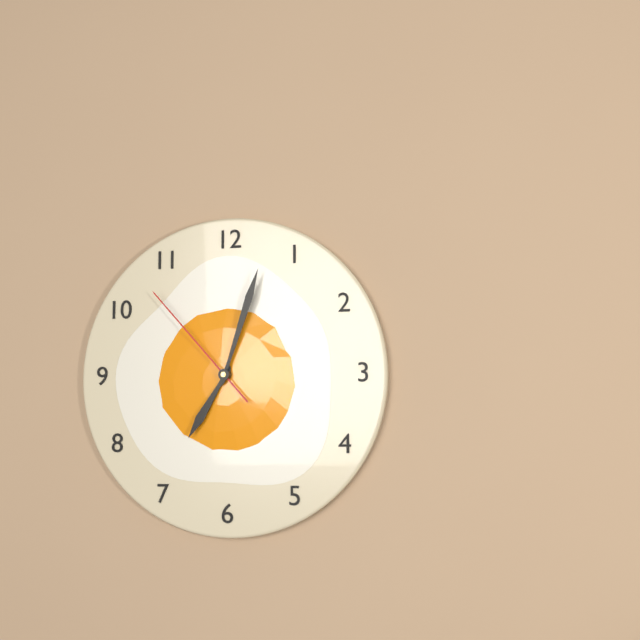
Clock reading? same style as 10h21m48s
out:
7h03m53s
